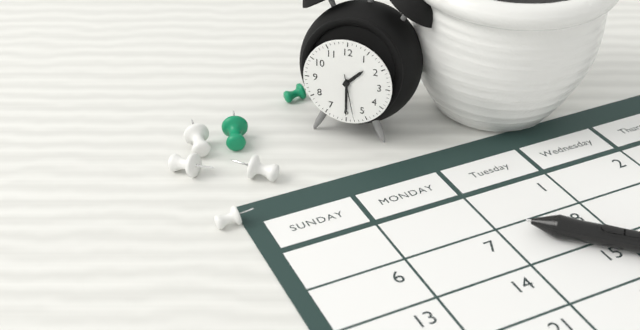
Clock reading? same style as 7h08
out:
1h30
